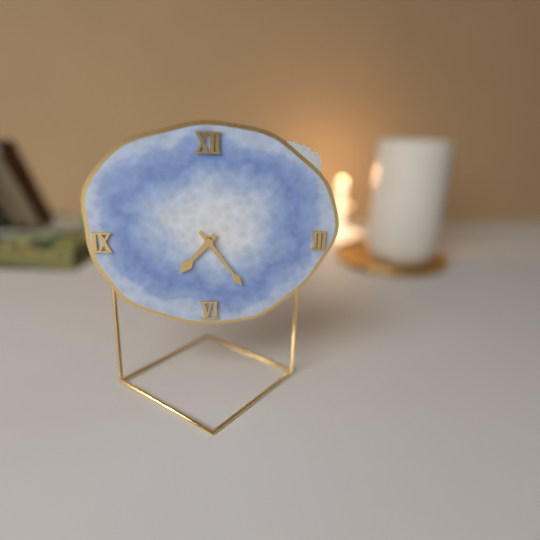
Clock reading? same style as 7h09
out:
7h24
